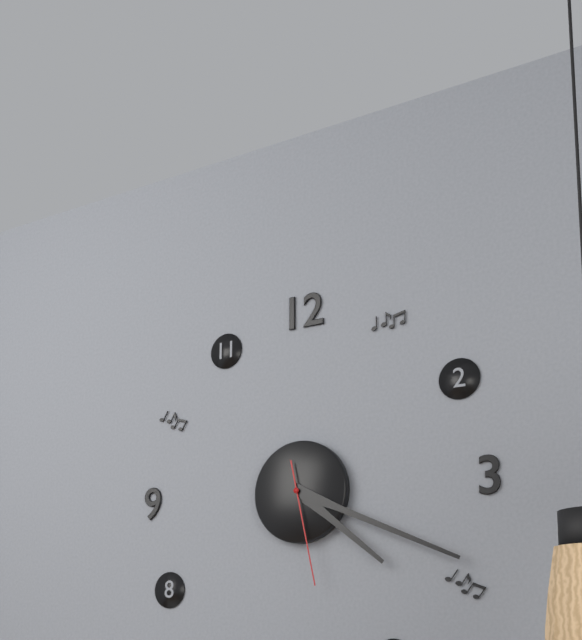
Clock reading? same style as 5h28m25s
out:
4h19m28s
